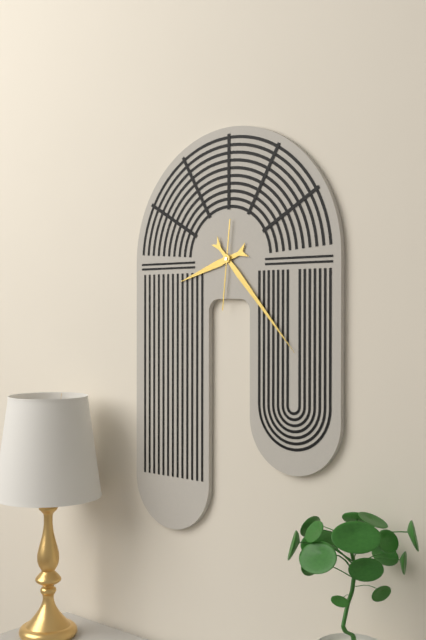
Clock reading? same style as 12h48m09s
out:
8h23m31s
